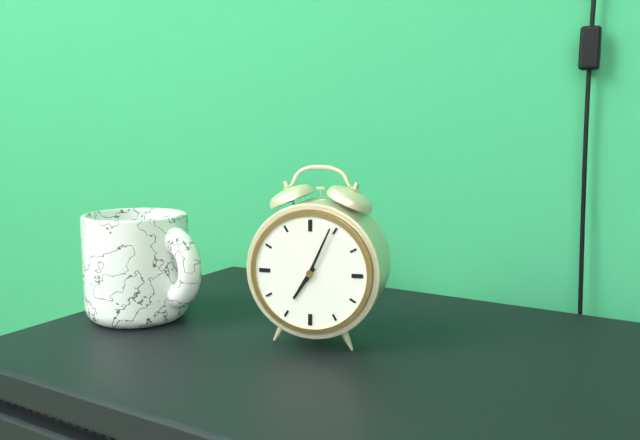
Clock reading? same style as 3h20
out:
7h04
